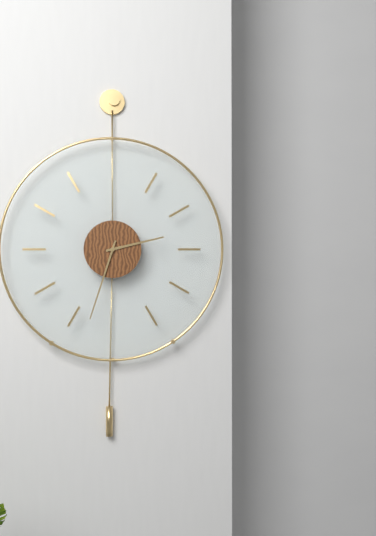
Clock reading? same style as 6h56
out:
2h33
